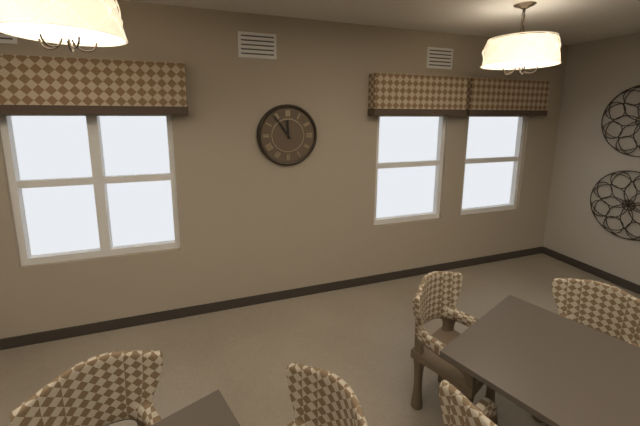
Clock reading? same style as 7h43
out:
11h54
